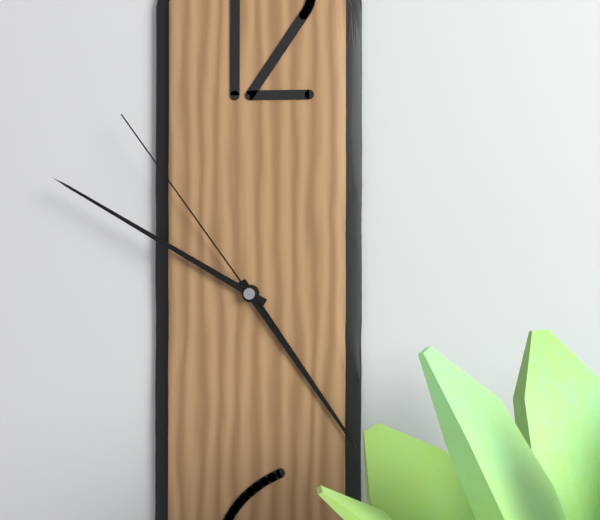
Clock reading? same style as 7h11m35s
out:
4h50m54s
